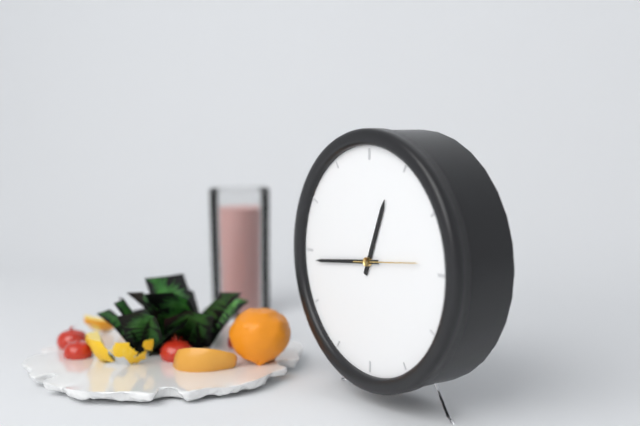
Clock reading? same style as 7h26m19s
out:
12h44m14s
